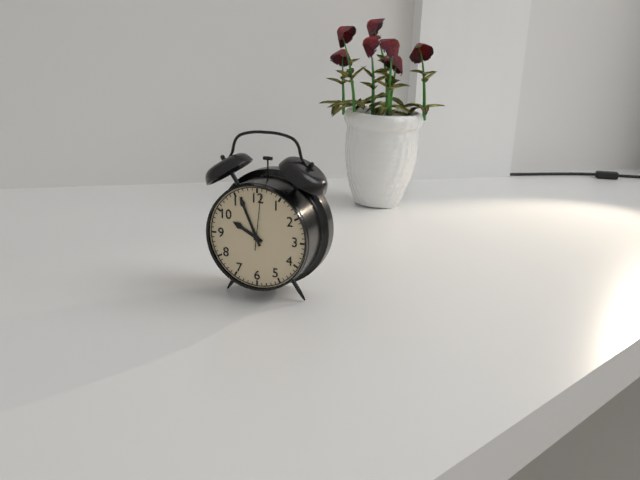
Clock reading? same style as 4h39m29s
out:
9h56m01s
